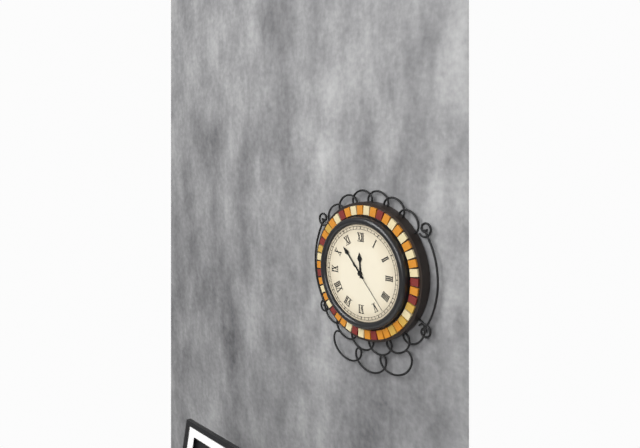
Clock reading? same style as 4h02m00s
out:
11h53m23s
